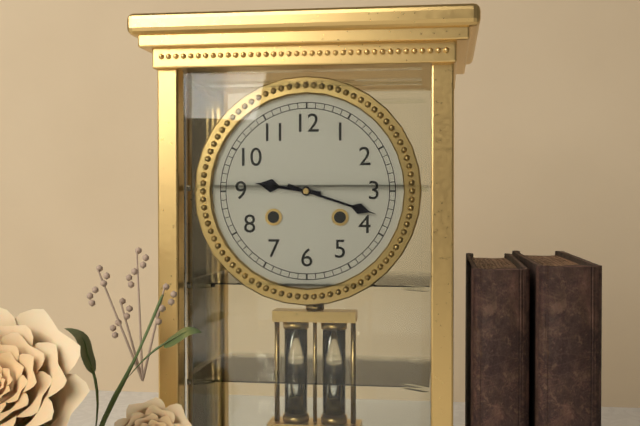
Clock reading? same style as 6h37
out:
9h18
